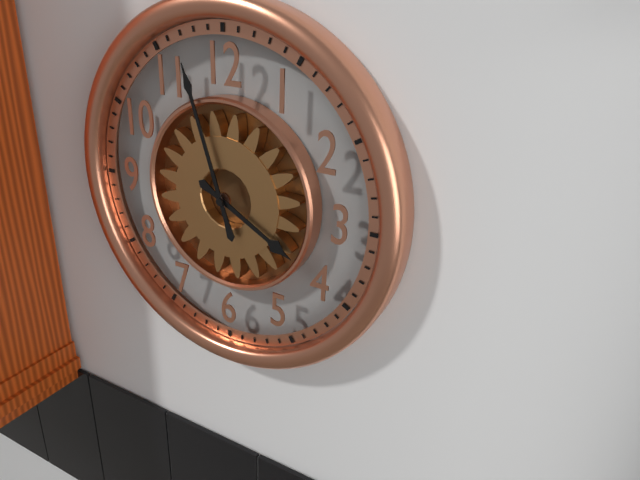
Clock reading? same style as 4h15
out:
3h57
